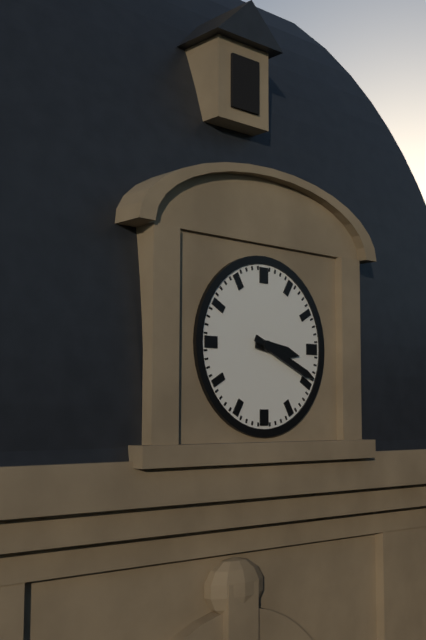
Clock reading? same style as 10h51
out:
3h19
